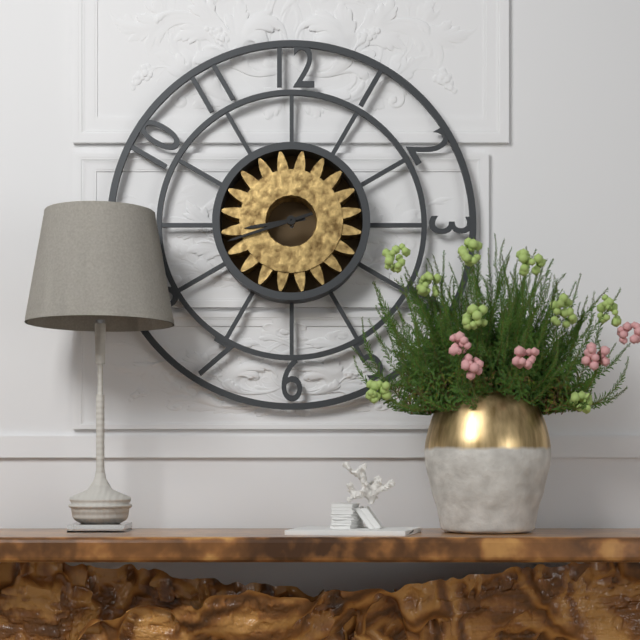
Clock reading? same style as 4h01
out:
8h42
